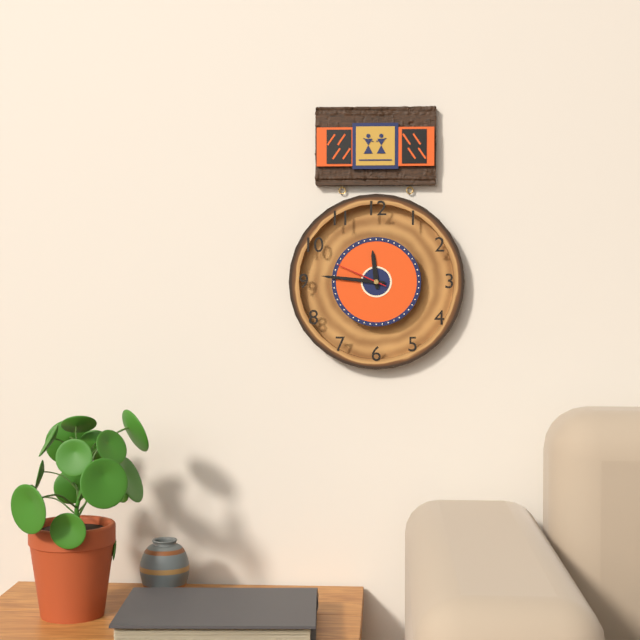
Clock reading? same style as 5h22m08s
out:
11h46m49s
